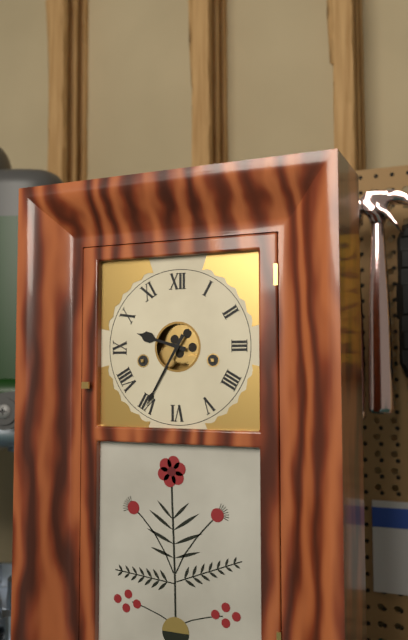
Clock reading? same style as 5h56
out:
9h35
